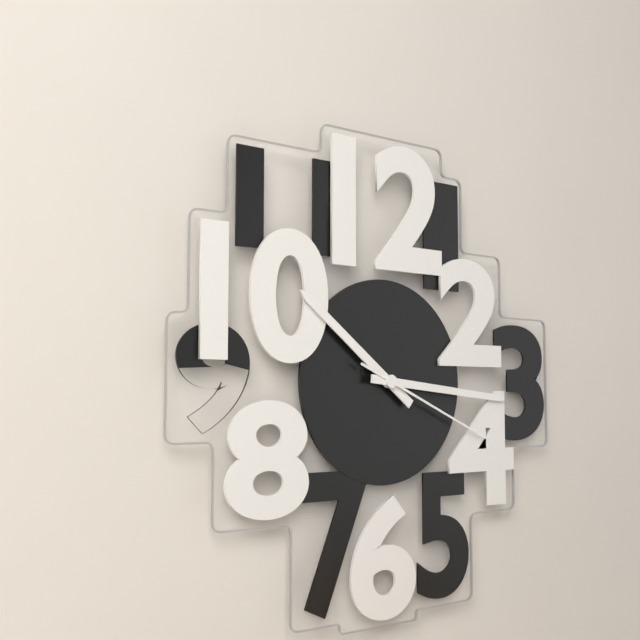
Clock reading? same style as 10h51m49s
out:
10h16m19s
